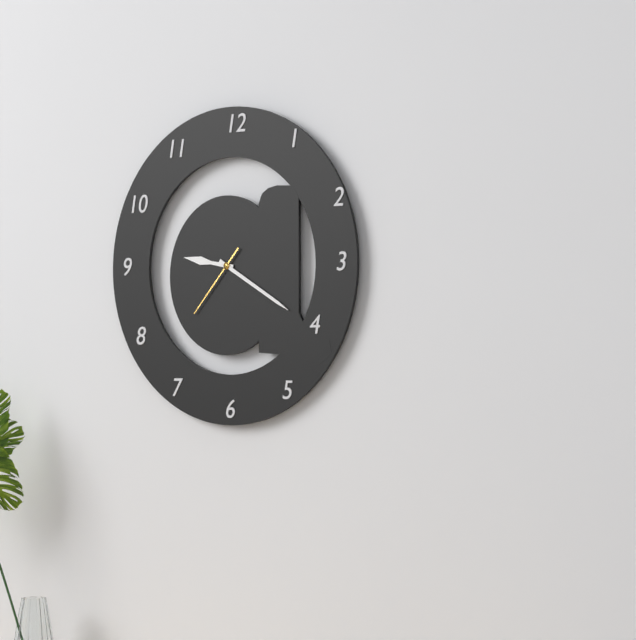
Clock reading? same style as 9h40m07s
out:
9h20m37s
